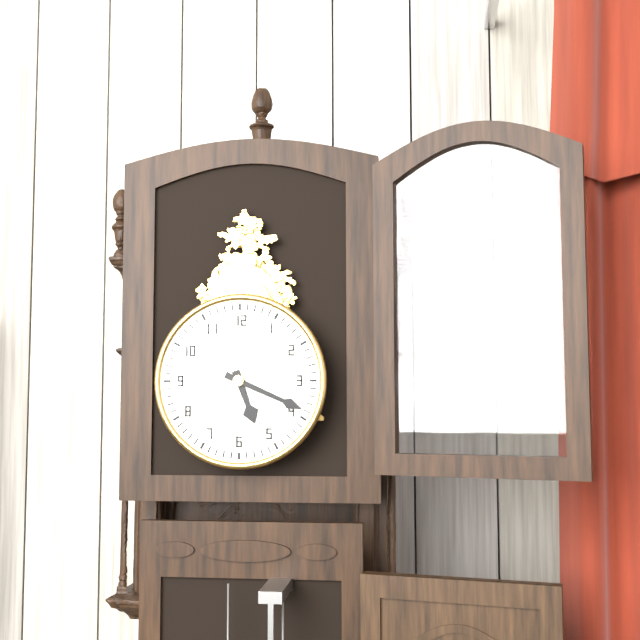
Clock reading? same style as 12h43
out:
5h19
